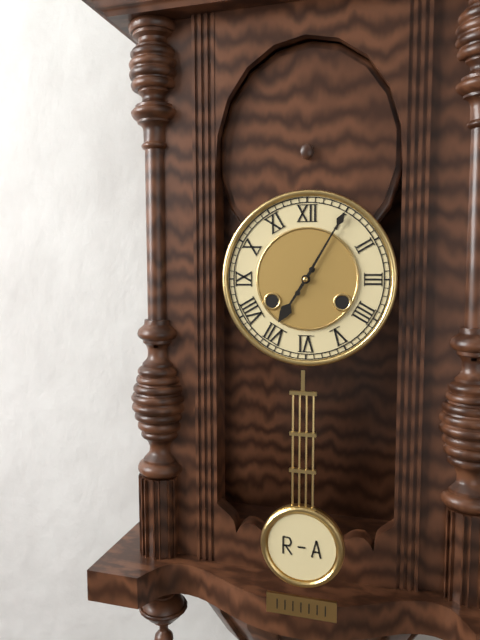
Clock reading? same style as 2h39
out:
7h05
